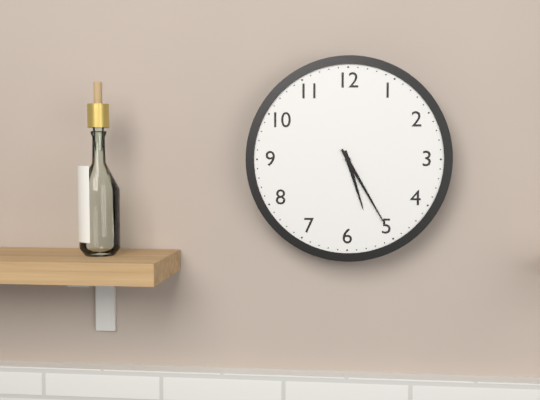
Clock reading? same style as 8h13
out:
5h25
